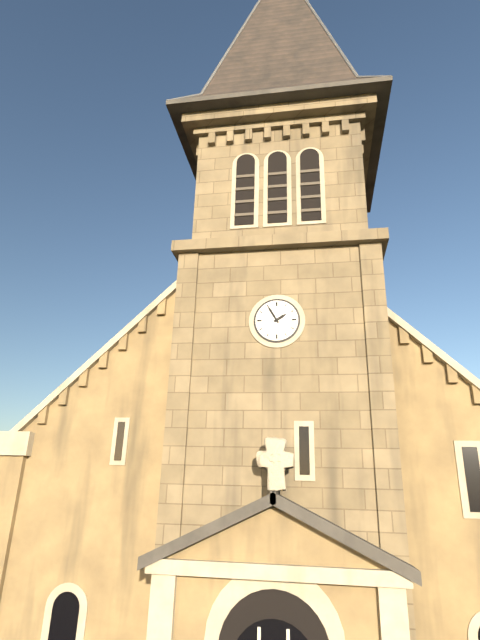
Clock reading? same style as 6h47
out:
1h55
